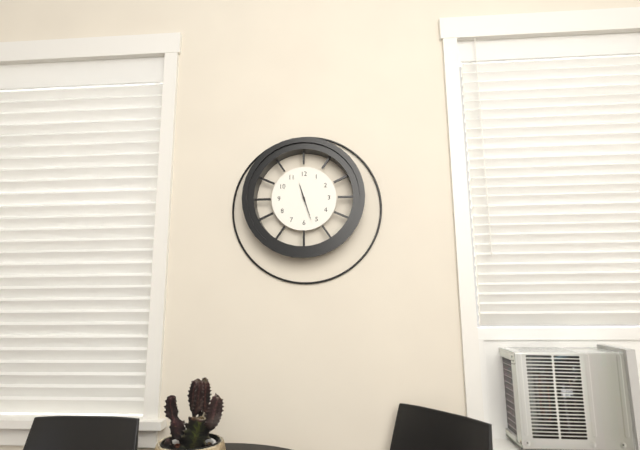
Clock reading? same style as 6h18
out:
11h27
